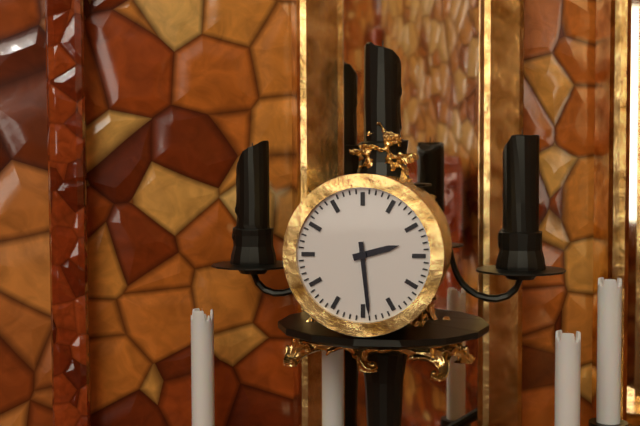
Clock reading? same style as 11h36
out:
2h29
